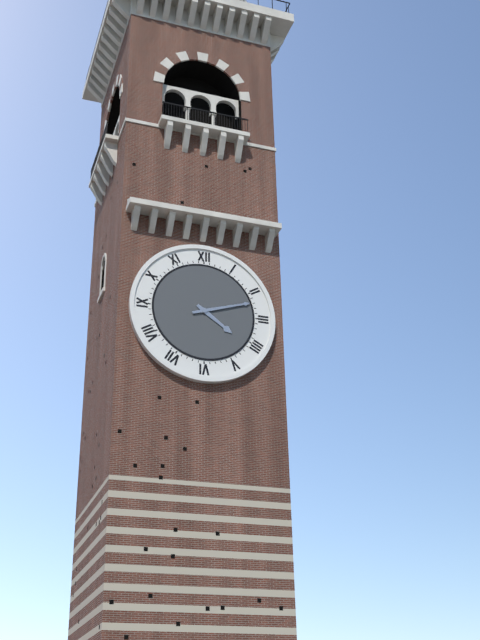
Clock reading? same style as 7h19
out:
4h12
